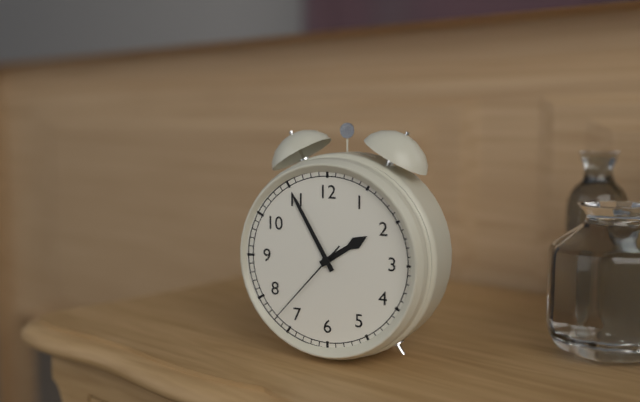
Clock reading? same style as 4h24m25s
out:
1h55m37s
